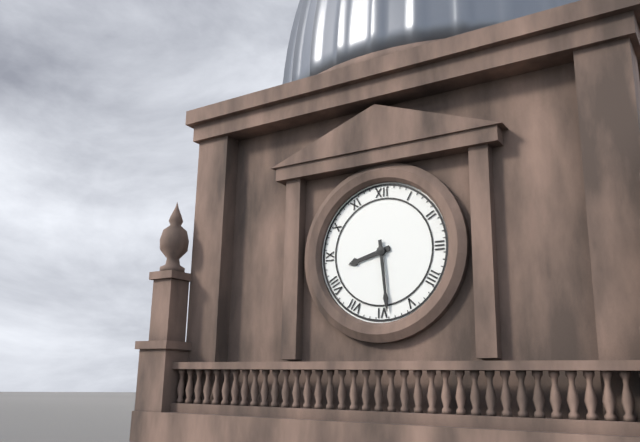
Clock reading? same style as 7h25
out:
8h29
